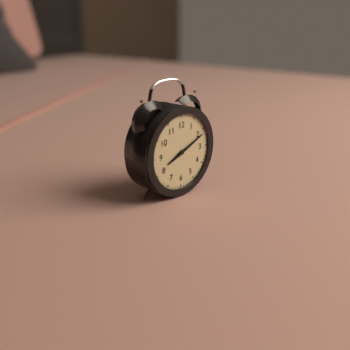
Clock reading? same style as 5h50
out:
8h11
